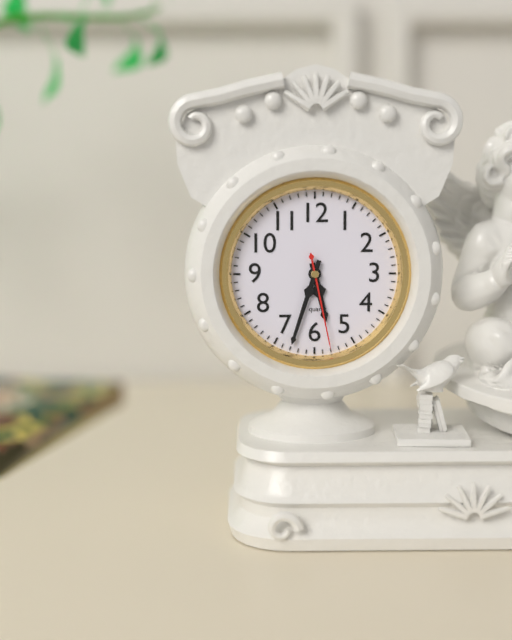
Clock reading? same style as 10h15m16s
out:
5h33m28s
